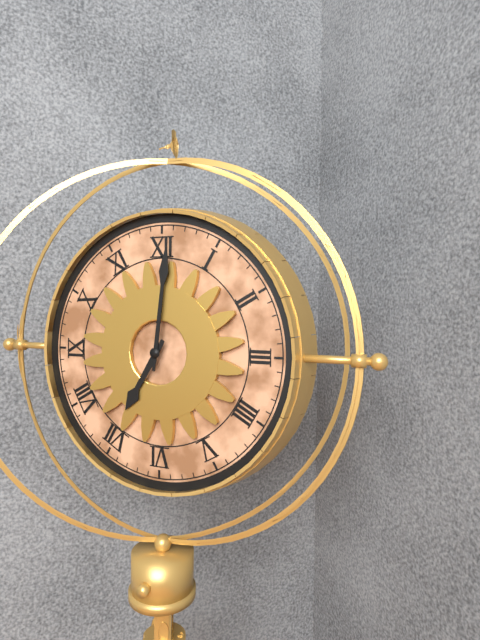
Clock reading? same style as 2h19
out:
7h01
